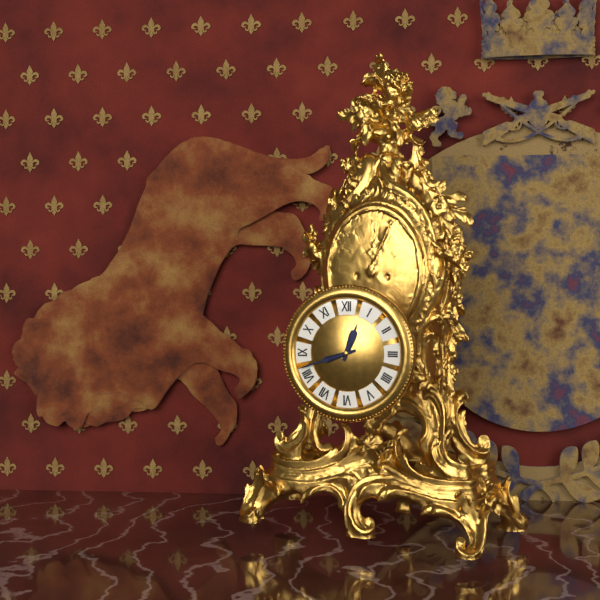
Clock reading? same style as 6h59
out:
12h42
